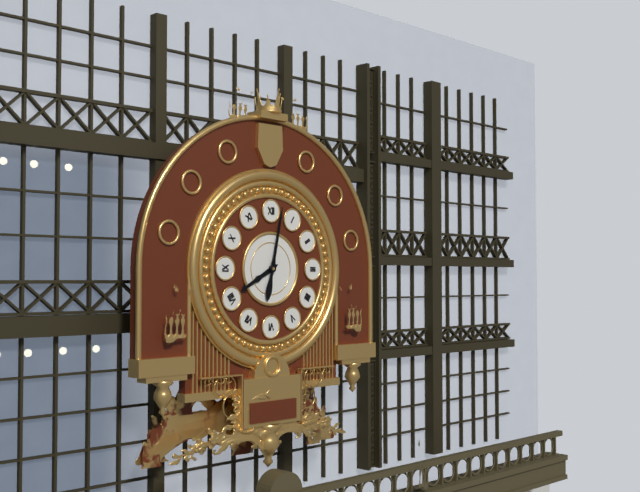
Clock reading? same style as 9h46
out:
8h02
